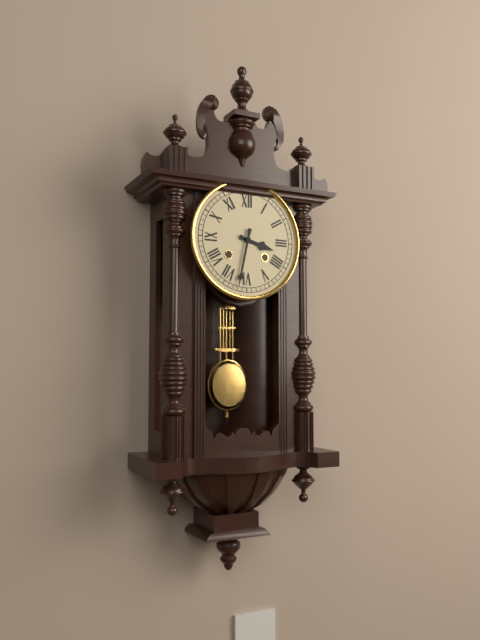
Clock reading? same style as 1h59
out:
3h32
